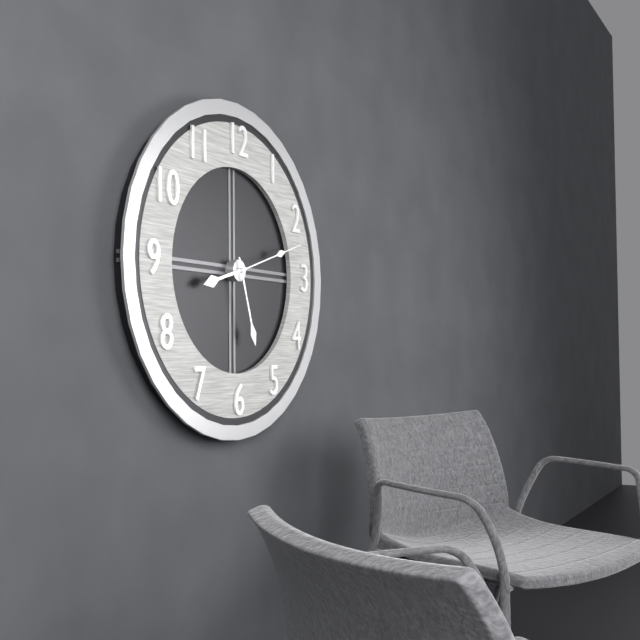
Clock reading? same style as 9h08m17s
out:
8h27m12s
